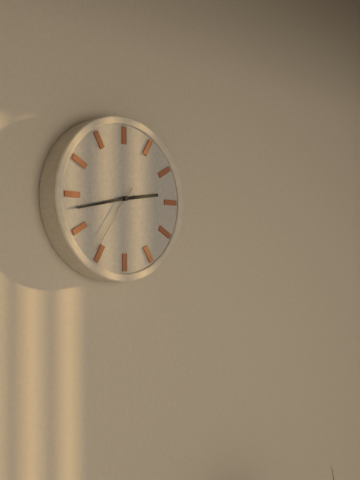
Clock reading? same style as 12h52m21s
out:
2h43m36s
